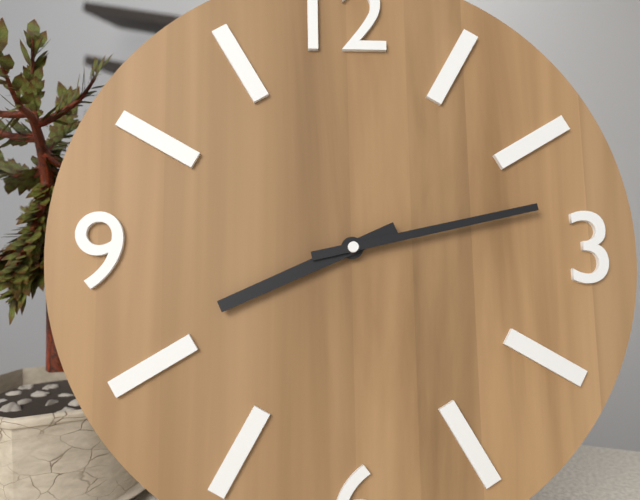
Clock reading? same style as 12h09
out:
8h13
